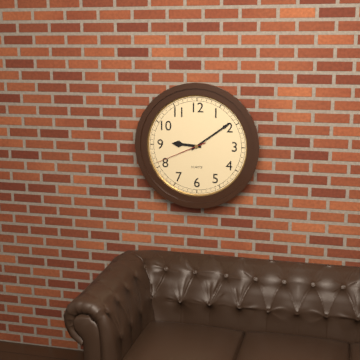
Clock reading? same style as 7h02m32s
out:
9h09m41s
